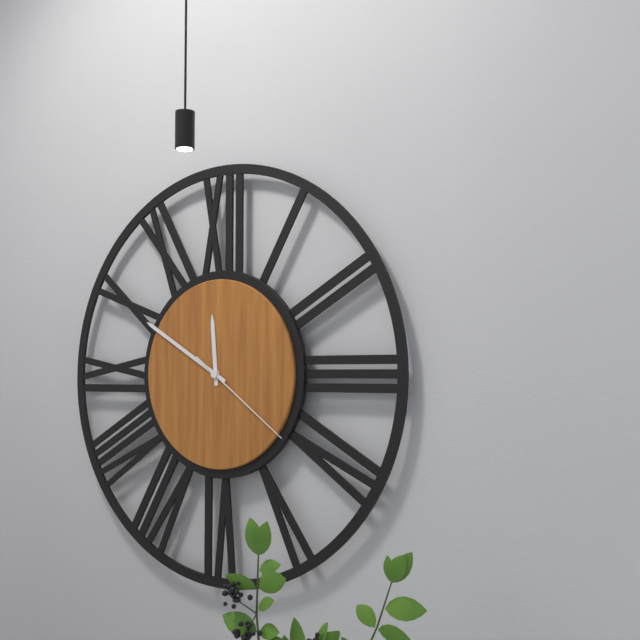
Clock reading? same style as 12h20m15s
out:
11h50m21s
